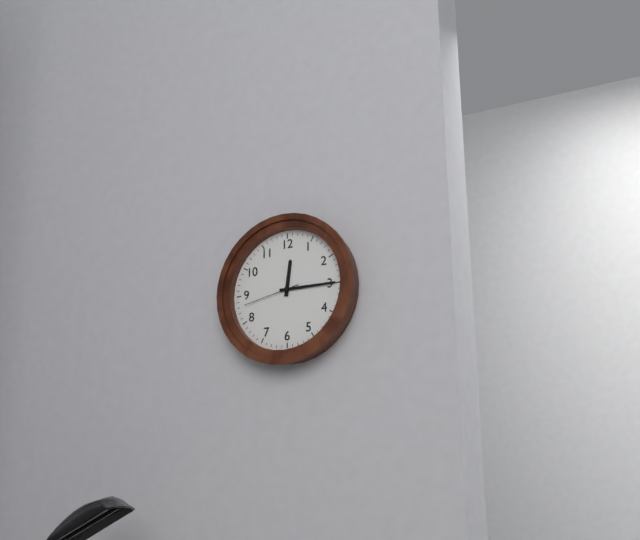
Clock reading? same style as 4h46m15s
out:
12h15m43s
